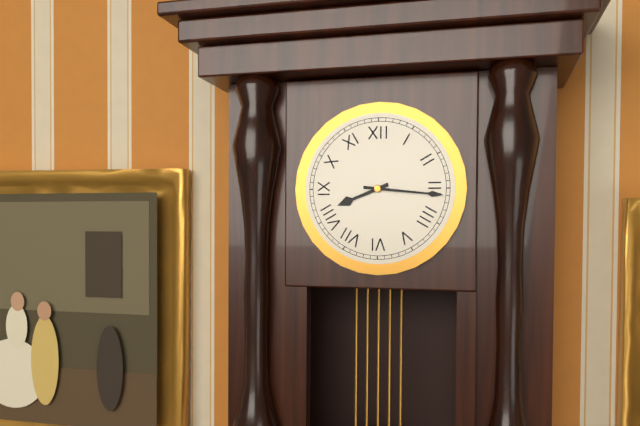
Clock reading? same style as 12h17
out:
8h16
